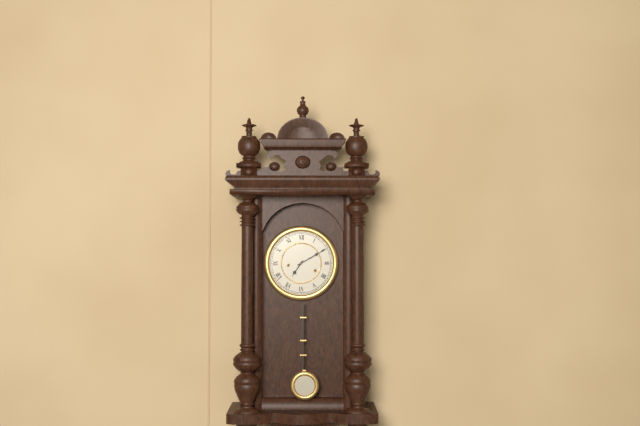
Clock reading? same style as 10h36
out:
7h10
